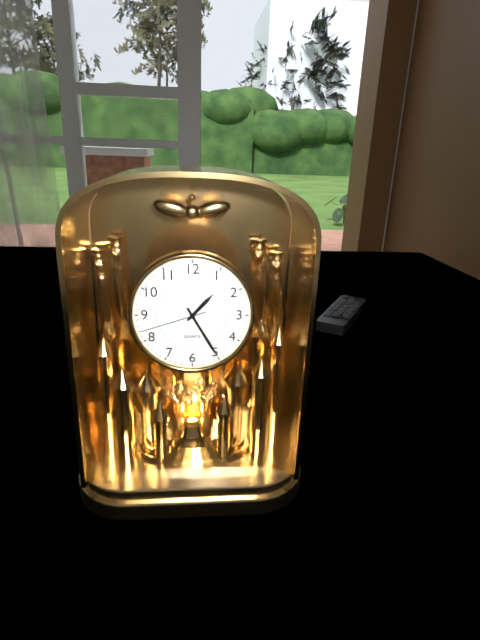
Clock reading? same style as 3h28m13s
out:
1h25m42s
